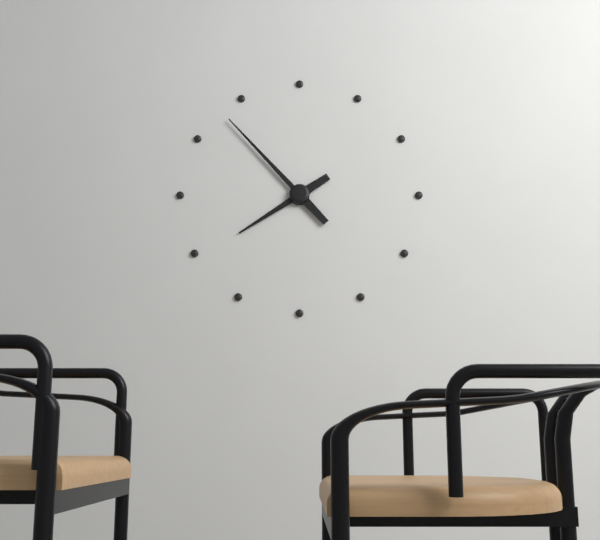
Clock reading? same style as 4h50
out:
7h53
